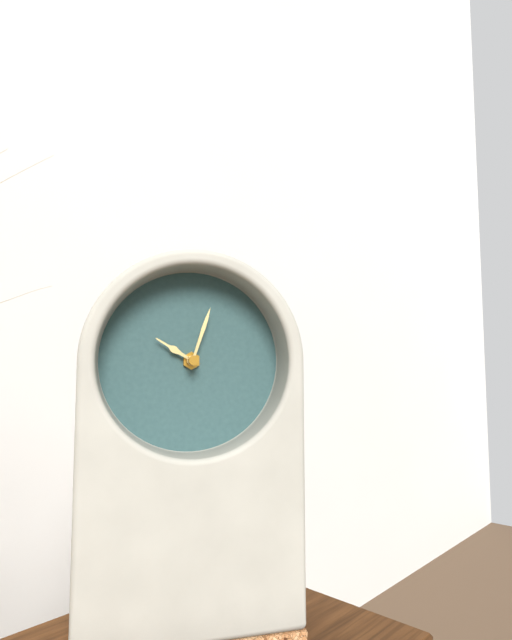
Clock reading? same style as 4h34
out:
10h03
